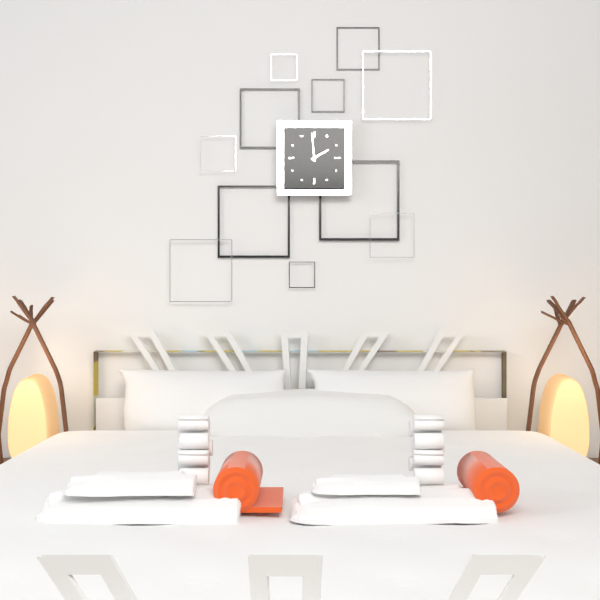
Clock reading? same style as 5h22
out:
1h59
